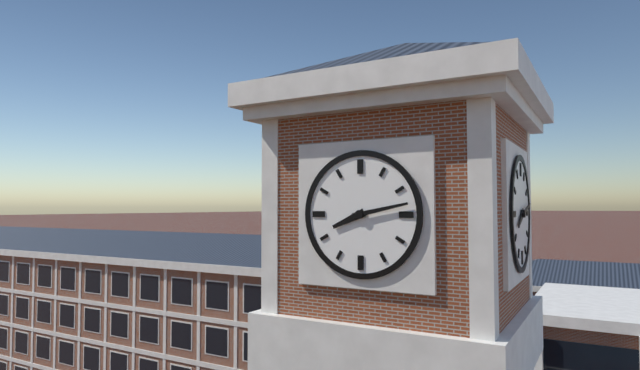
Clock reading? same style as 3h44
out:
8h13
